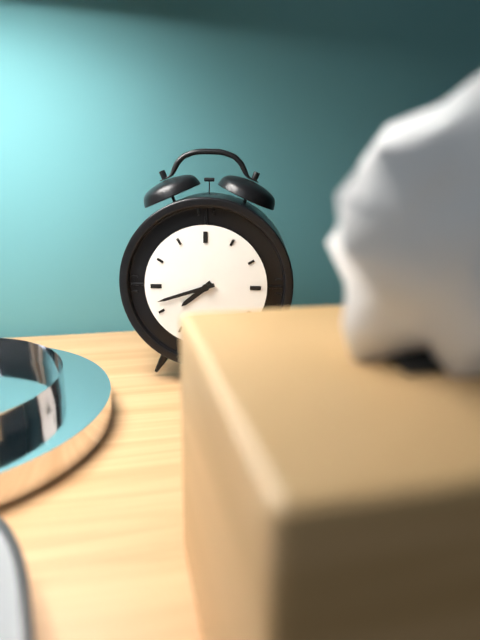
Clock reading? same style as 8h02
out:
7h42
